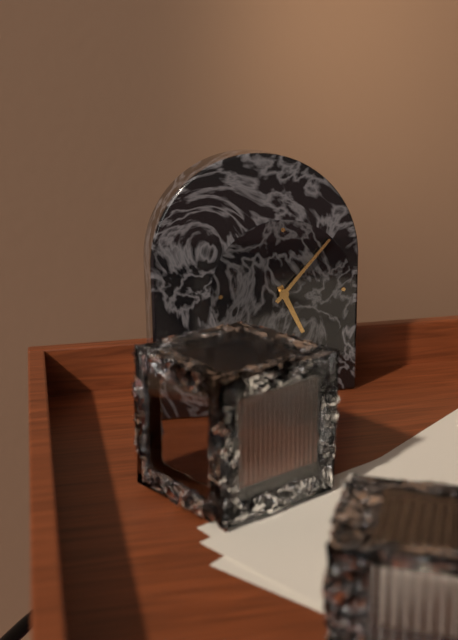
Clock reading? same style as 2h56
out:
5h07
